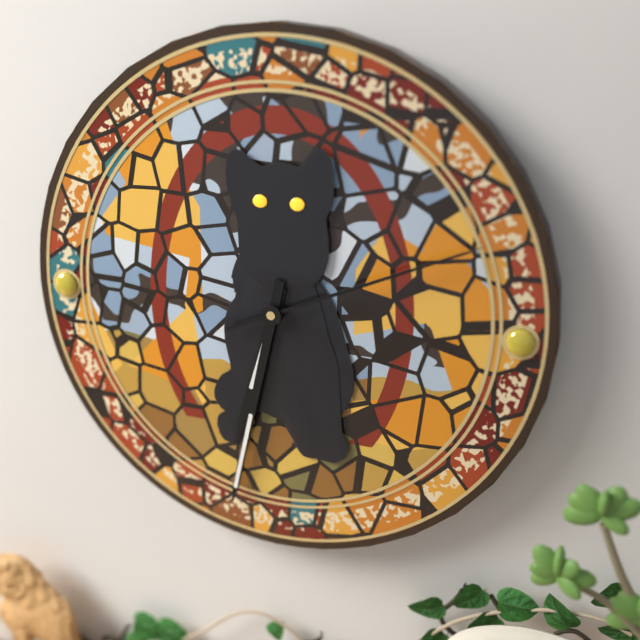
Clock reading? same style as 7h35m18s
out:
6h32m11s
